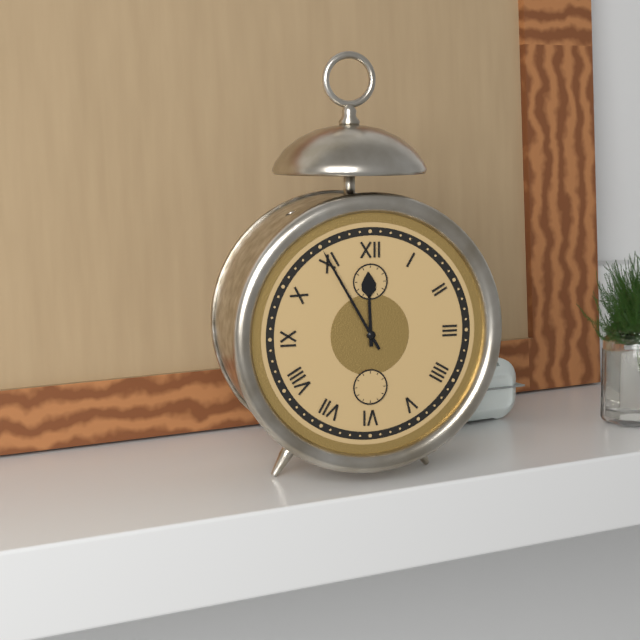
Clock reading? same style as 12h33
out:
11h55
